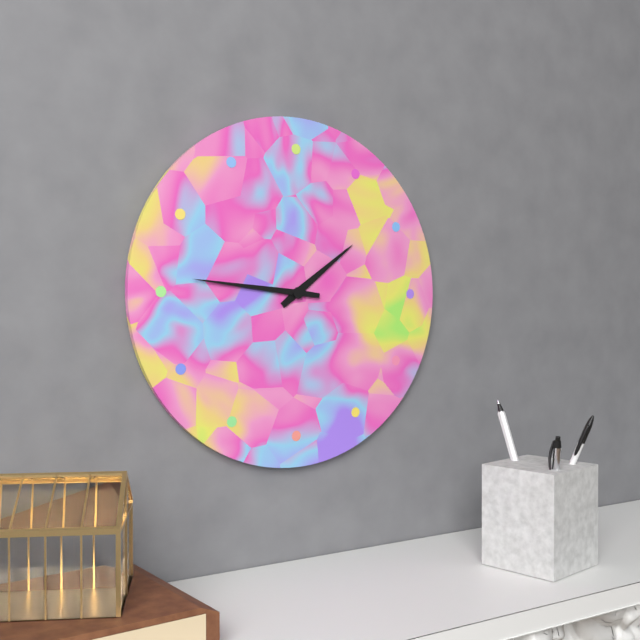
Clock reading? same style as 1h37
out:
1h46
